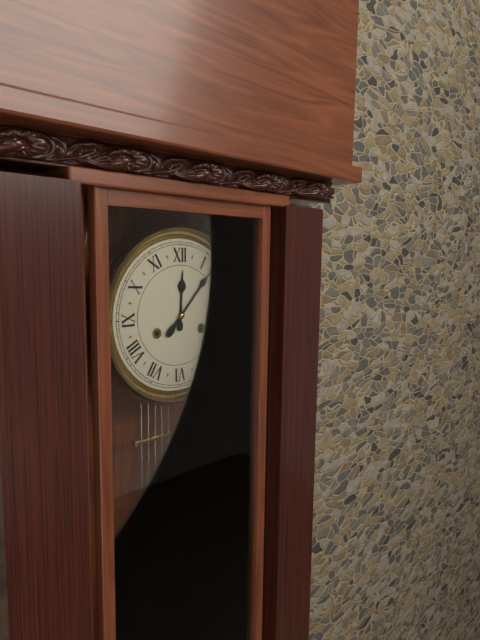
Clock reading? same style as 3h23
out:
12h07
